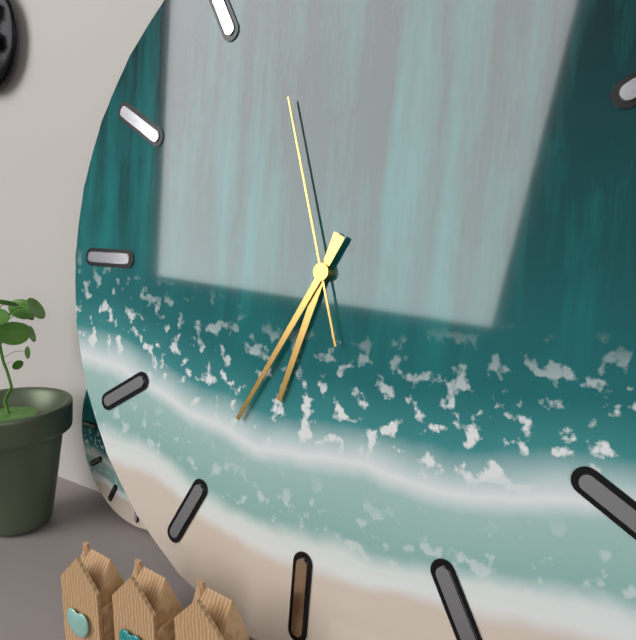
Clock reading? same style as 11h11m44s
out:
6h35m57s
